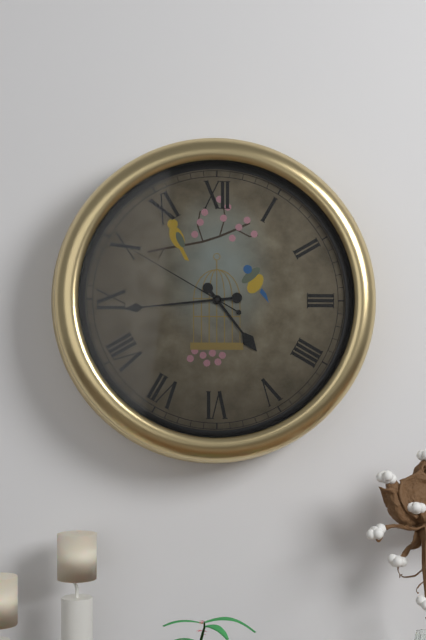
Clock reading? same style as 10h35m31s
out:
4h44m50s
